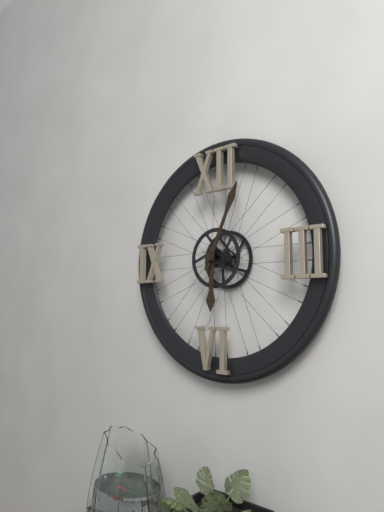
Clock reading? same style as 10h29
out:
6h04
